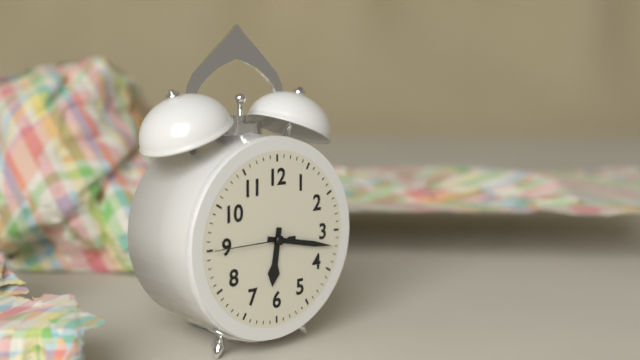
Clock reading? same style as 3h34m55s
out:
6h17m45s
